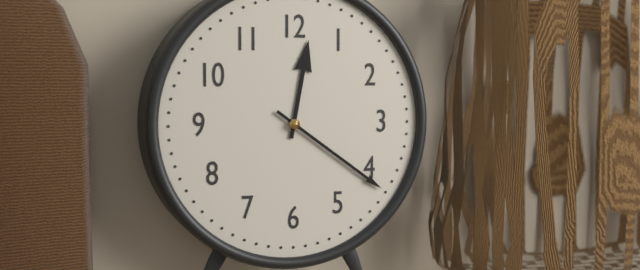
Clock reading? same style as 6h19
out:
12h21
